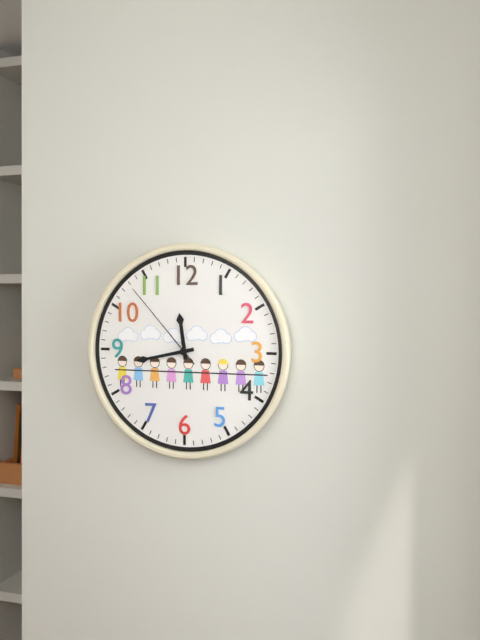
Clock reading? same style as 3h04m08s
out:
11h43m53s
